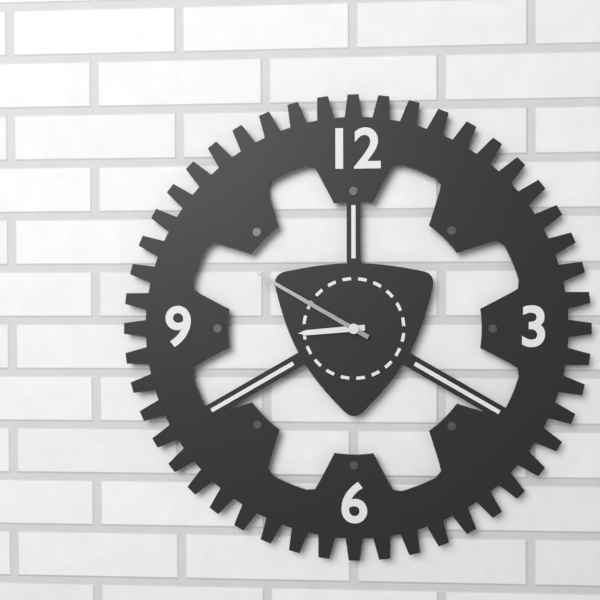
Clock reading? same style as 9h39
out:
8h50
